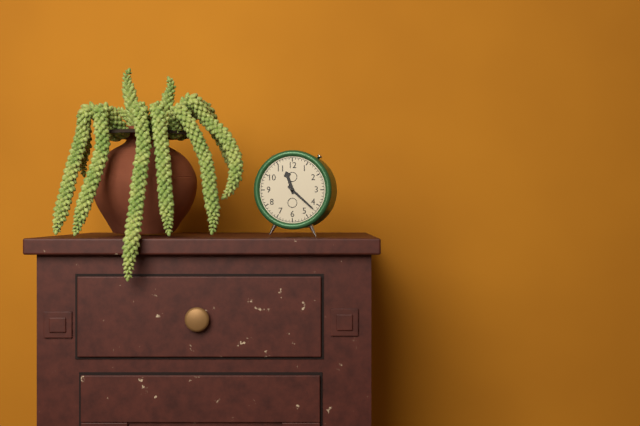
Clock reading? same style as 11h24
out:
11h22
